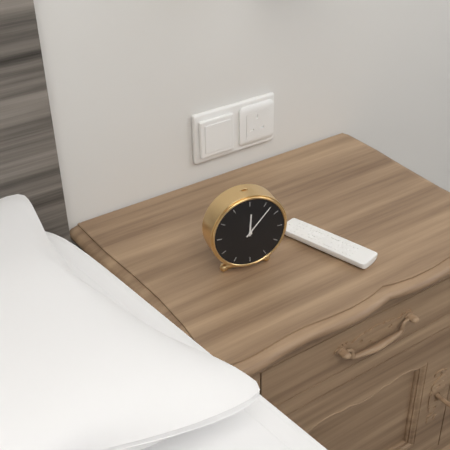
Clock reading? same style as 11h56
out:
12h07
